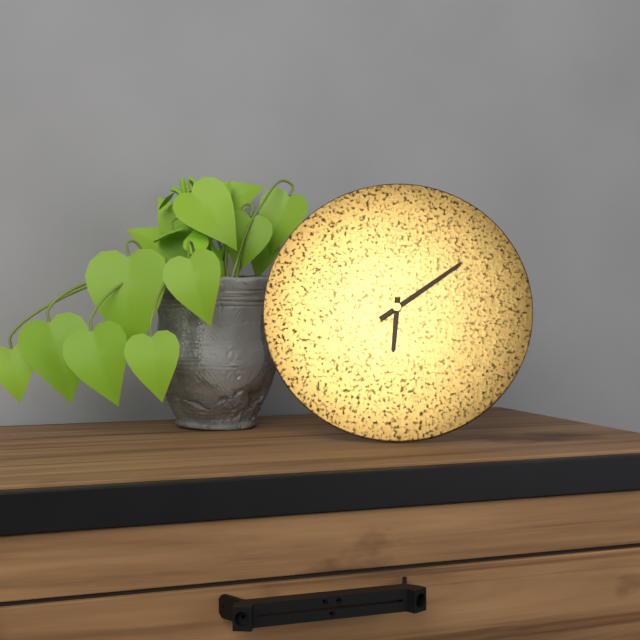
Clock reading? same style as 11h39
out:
6h09
